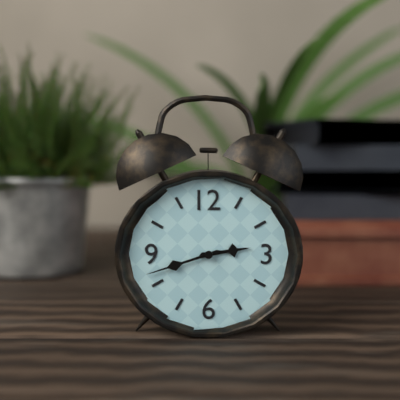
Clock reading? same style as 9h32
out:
2h42
